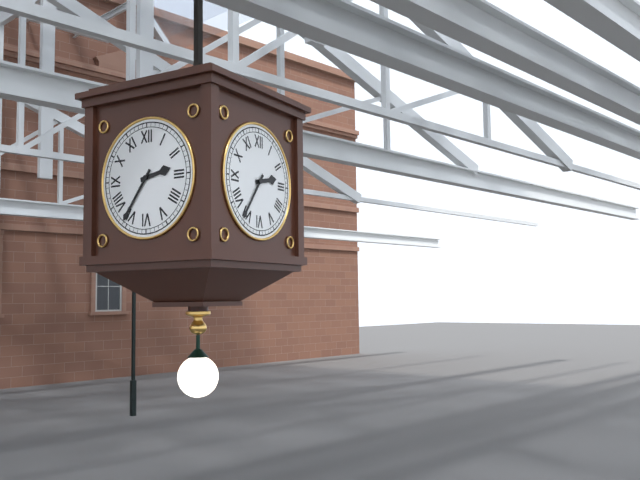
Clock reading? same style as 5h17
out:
2h36
